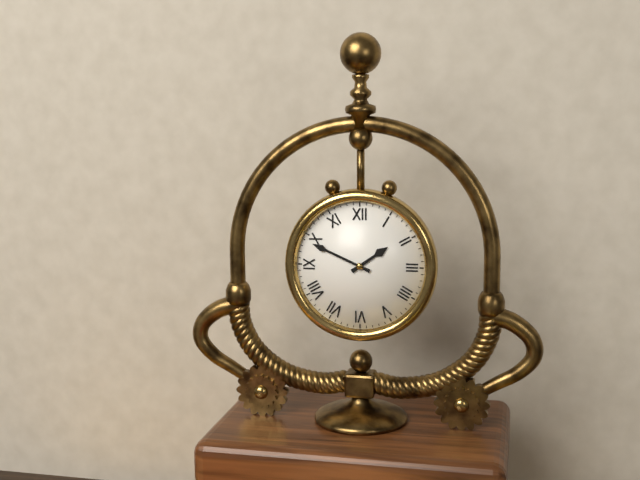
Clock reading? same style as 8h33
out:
1h49
